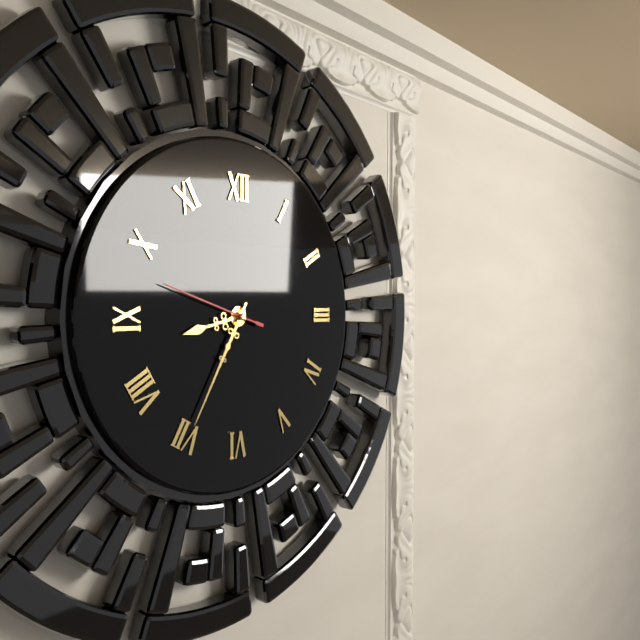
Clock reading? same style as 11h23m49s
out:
8h35m48s
